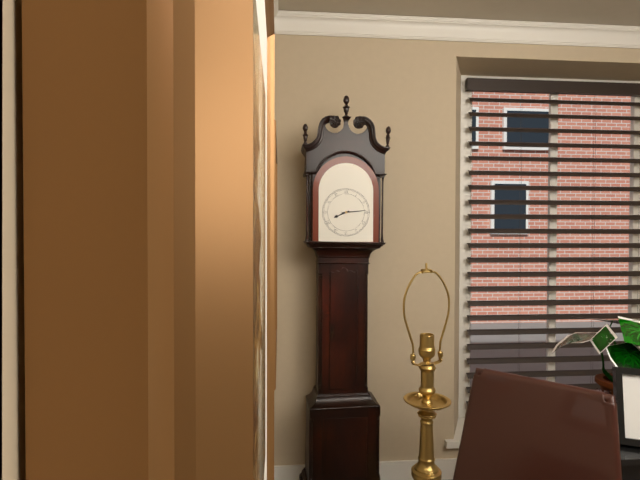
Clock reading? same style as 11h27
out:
8h14
